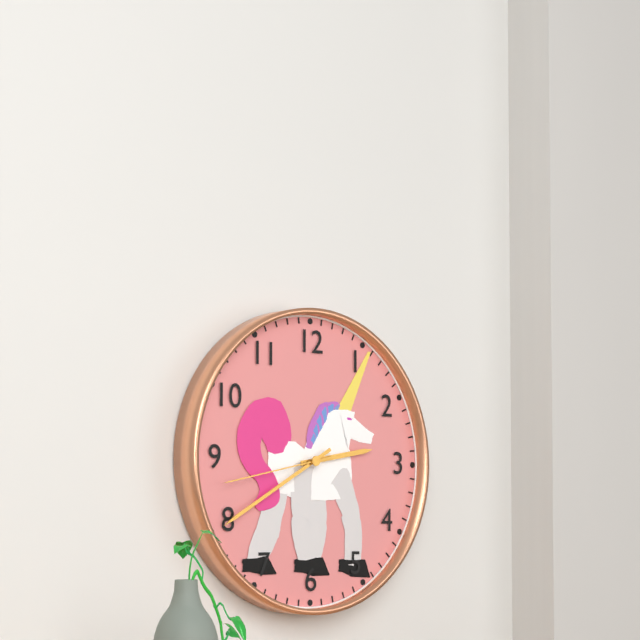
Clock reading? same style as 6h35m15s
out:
2h40m43s
